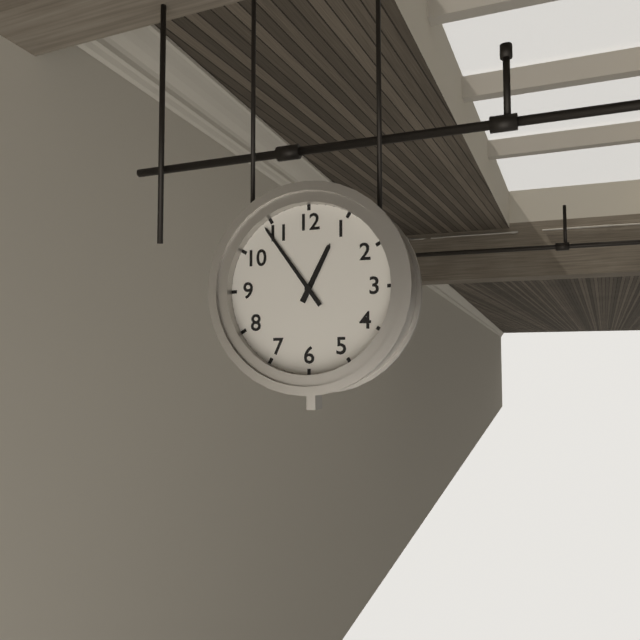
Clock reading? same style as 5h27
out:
12h54
